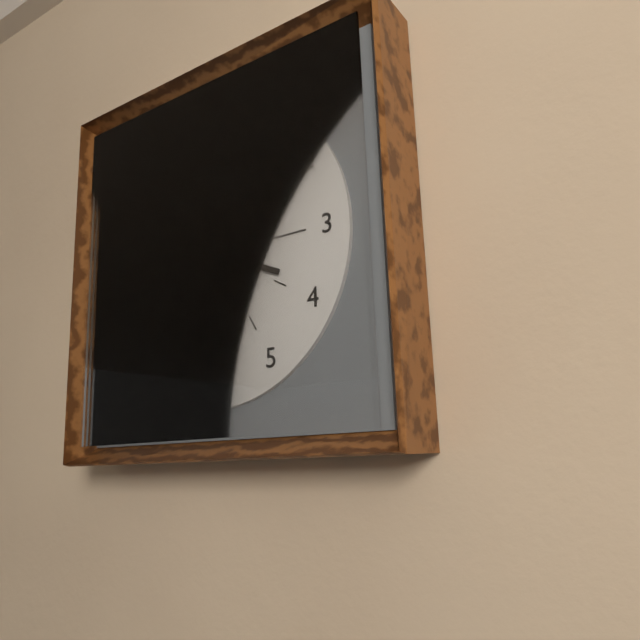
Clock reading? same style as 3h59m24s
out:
3h48m54s
